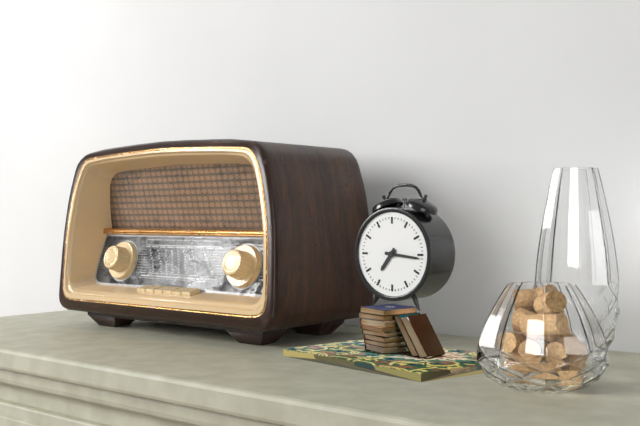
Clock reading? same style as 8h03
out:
7h16
